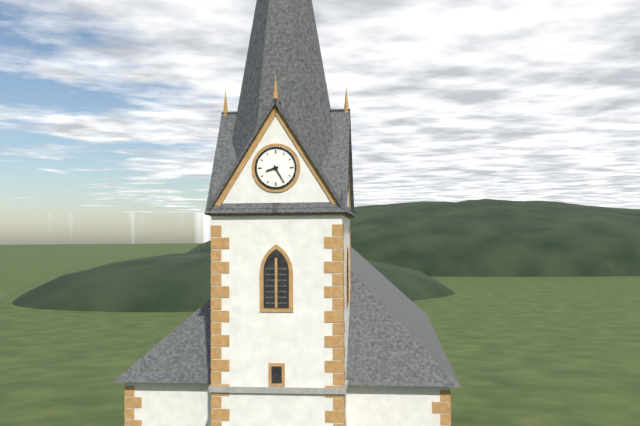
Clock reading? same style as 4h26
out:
8h25
